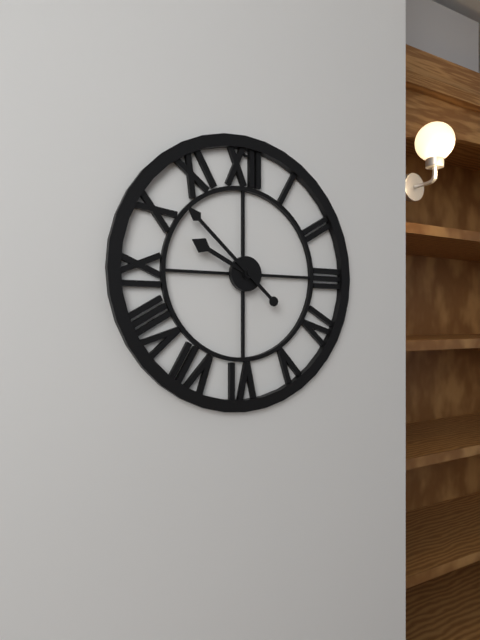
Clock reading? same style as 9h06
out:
9h52
